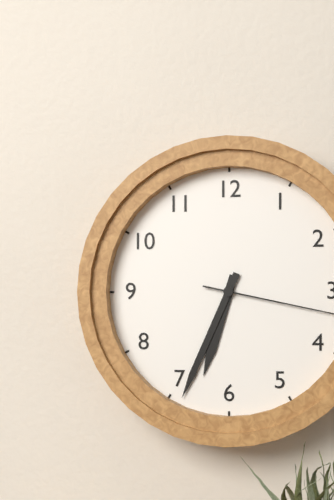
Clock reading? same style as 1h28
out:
6h34
